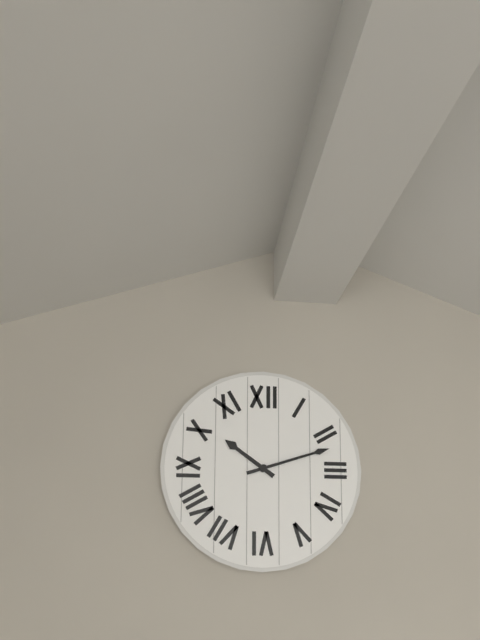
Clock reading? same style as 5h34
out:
10h12
